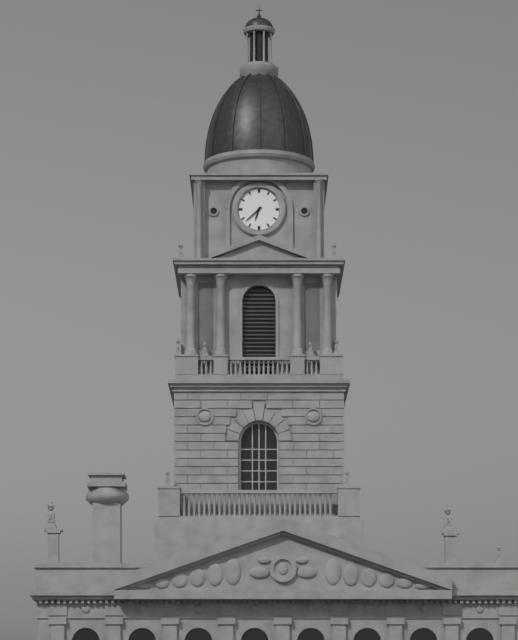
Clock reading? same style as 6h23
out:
6h38
